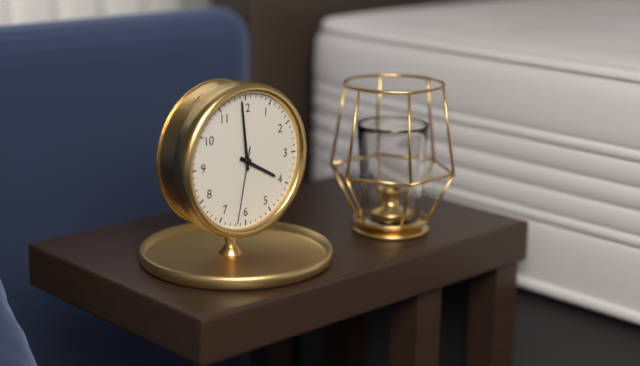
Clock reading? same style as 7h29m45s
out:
3h59m32s
